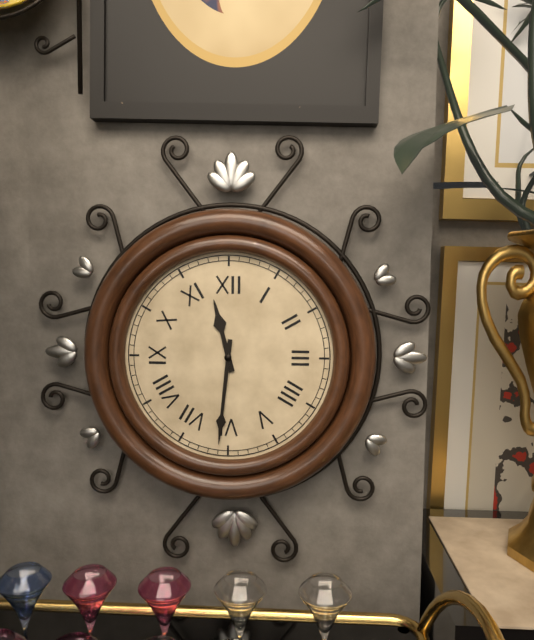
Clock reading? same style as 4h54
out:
11h31
